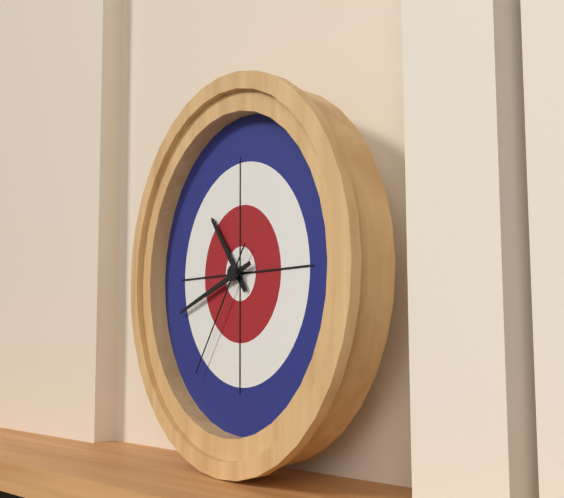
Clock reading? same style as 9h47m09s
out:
10h42m36s
